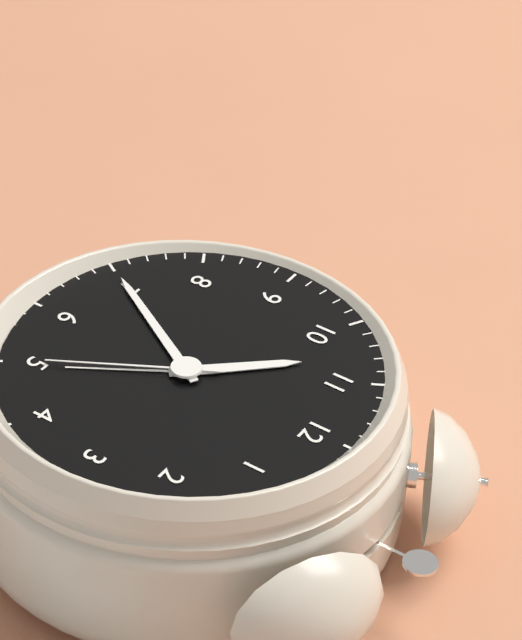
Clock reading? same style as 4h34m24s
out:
10h35m25s
